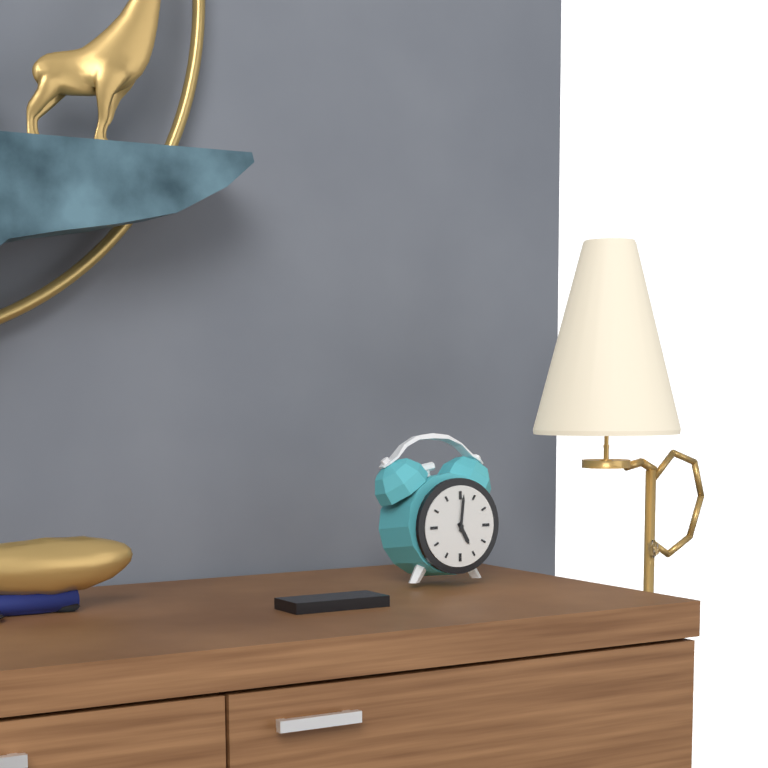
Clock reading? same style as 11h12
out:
5h01
